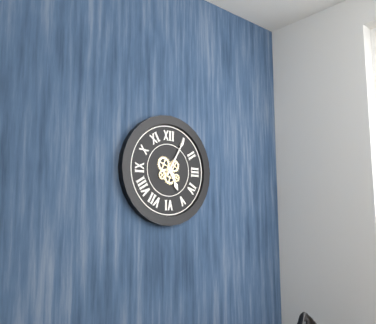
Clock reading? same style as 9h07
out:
5h05
